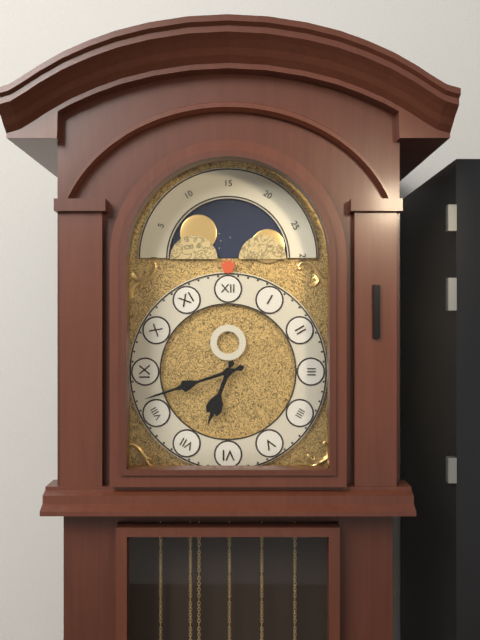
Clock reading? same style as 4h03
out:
6h42
